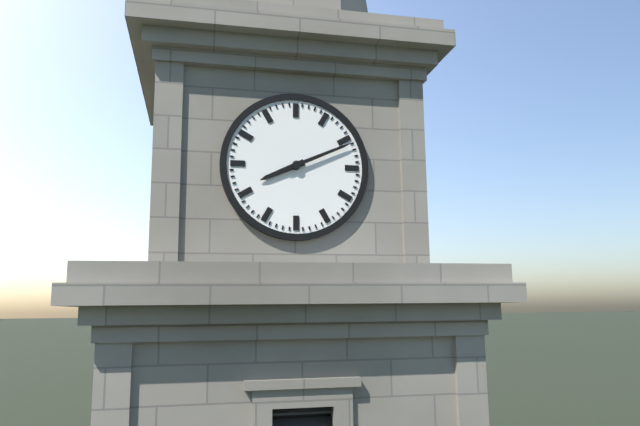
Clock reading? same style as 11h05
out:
8h11
